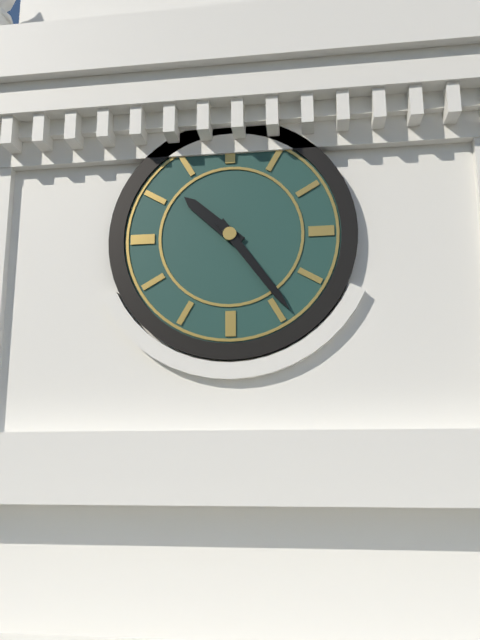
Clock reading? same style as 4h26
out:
10h24
